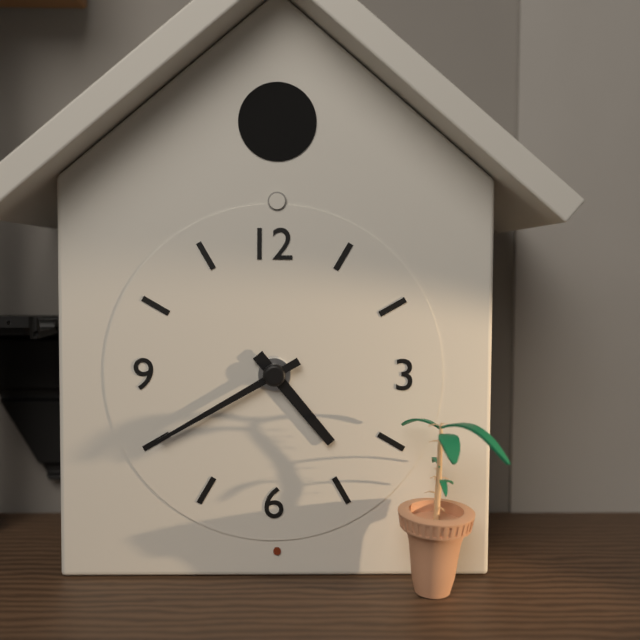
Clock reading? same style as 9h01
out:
4h40
